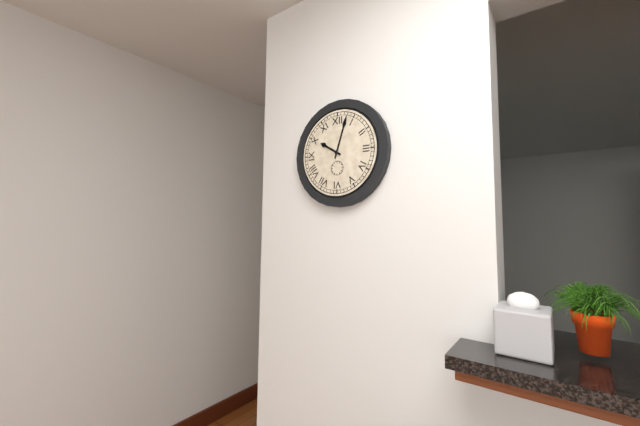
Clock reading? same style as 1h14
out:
10h03
